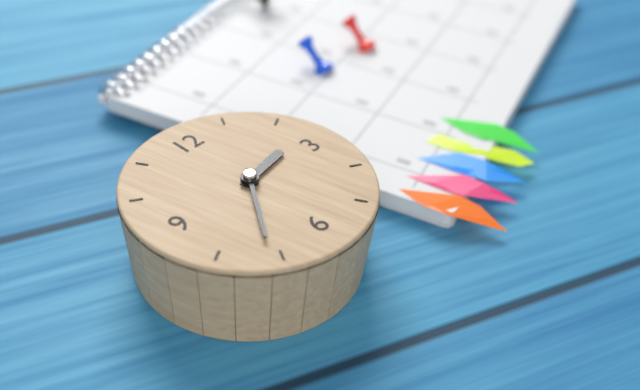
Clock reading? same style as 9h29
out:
2h36
